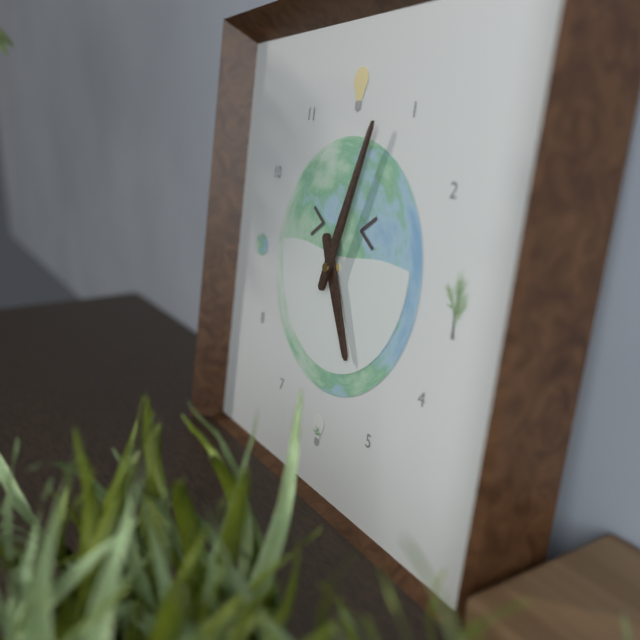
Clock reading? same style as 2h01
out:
5h03
